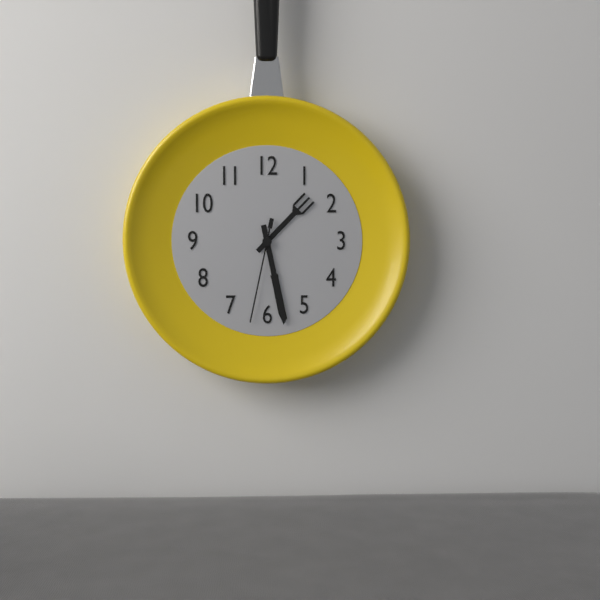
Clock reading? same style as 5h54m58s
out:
1h28m32s
